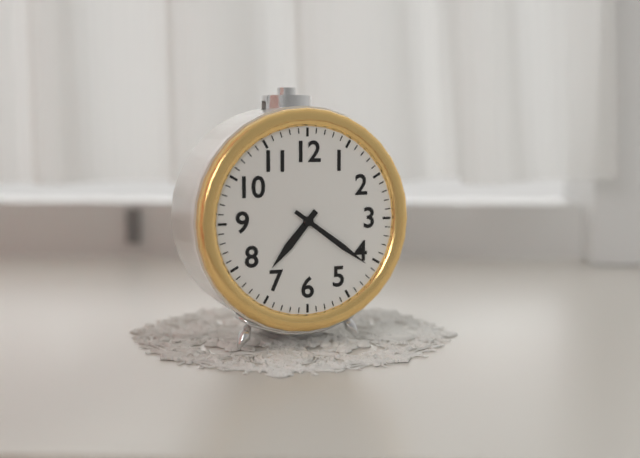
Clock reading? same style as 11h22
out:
7h21
